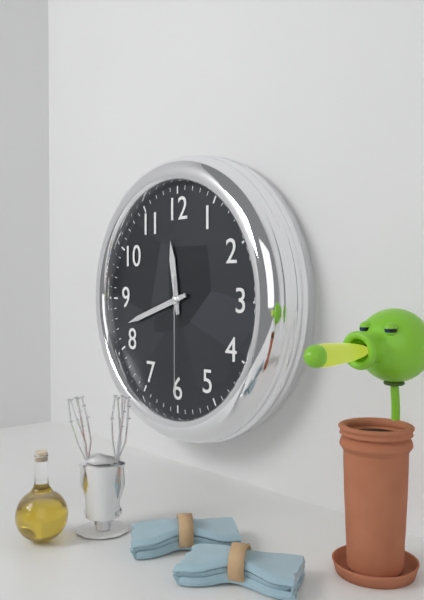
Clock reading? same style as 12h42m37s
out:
11h42m30s
